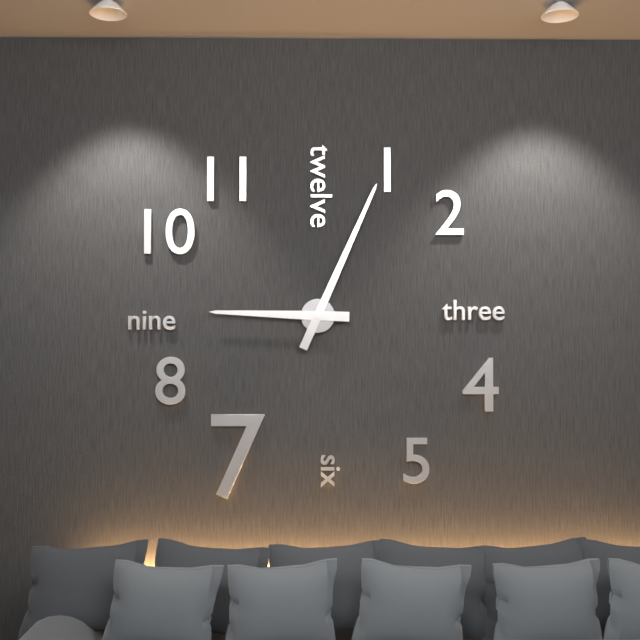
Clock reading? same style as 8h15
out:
9h04
